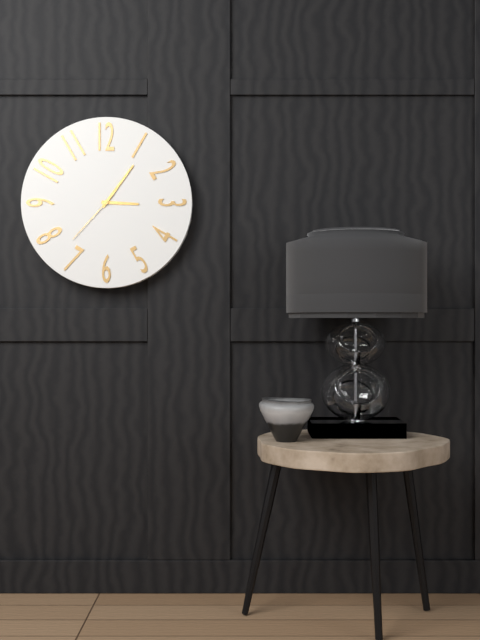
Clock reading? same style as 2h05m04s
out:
3h06m37s
